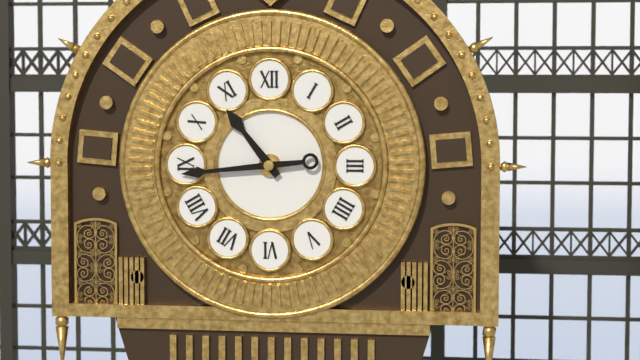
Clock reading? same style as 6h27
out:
10h44
